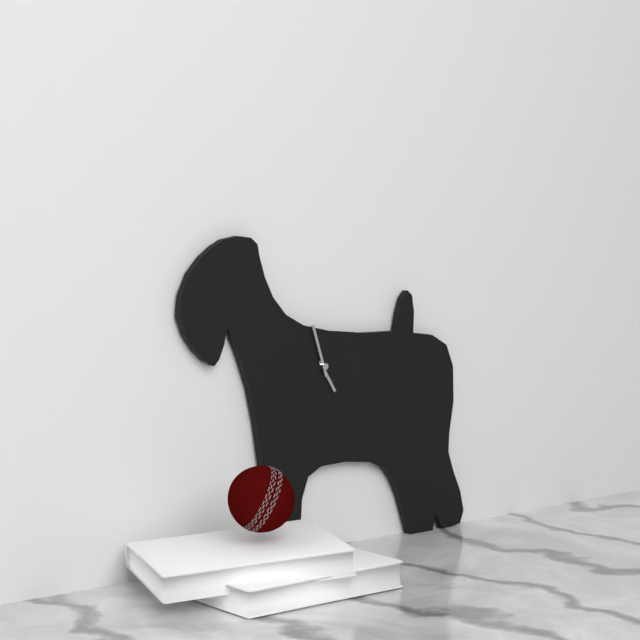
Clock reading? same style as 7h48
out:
4h57
